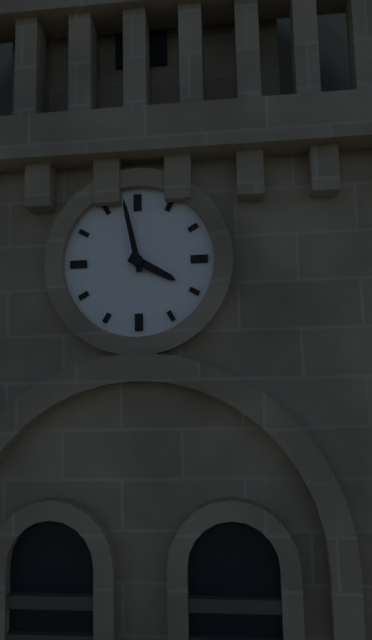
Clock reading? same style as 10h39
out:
3h58
